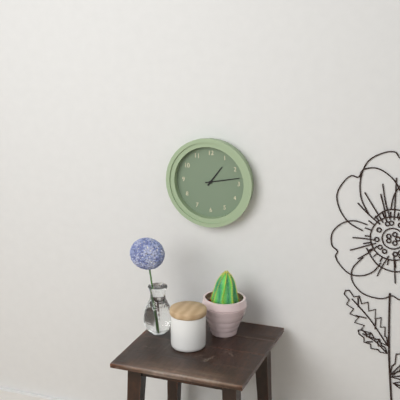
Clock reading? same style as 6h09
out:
1h13
